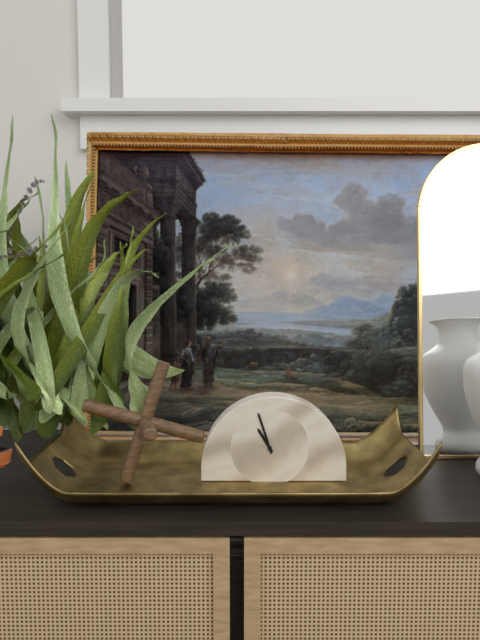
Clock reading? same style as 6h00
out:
10h57
